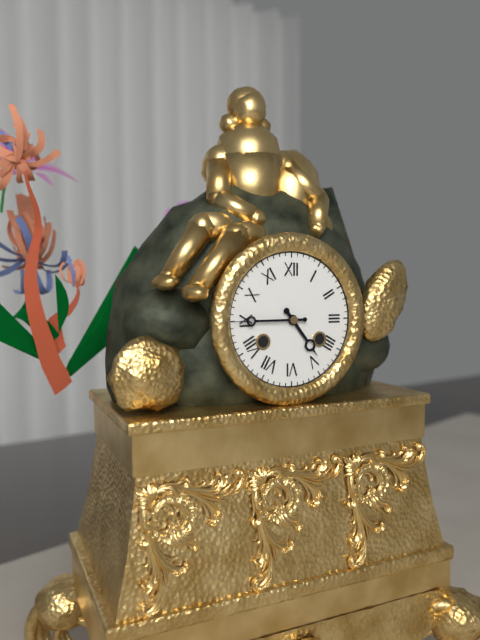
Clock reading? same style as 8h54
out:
4h45
